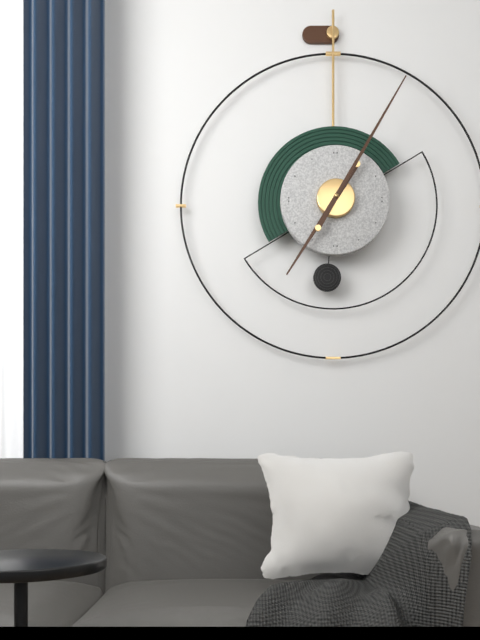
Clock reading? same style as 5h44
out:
7h05
